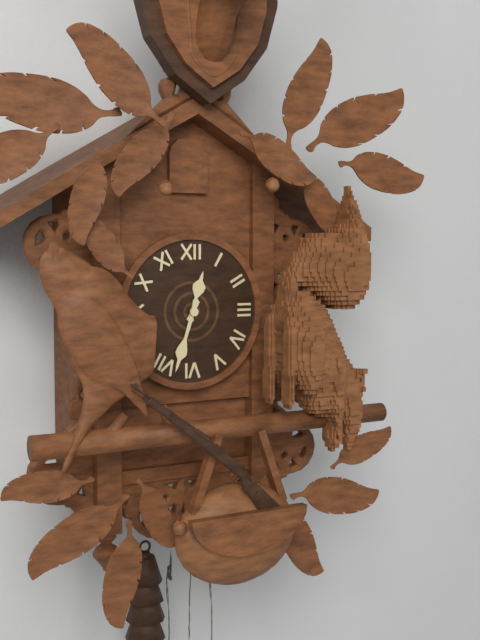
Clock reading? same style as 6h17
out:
12h33
